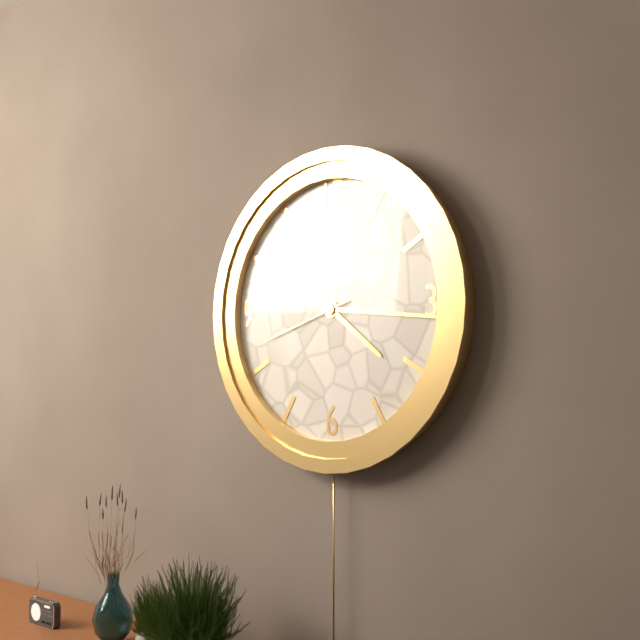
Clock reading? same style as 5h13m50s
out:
4h16m42s
